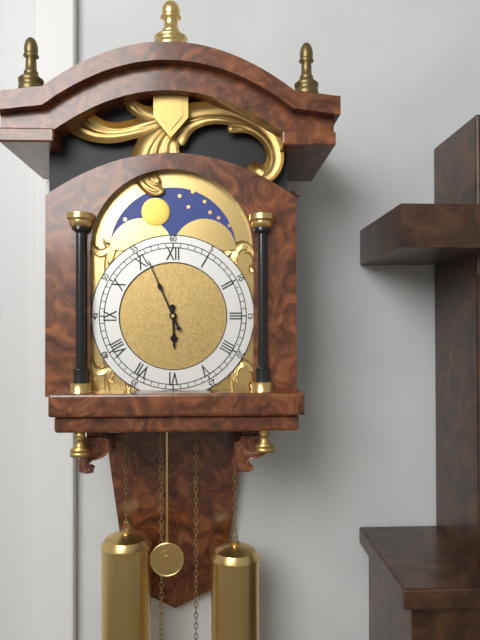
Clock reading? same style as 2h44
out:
5h56
